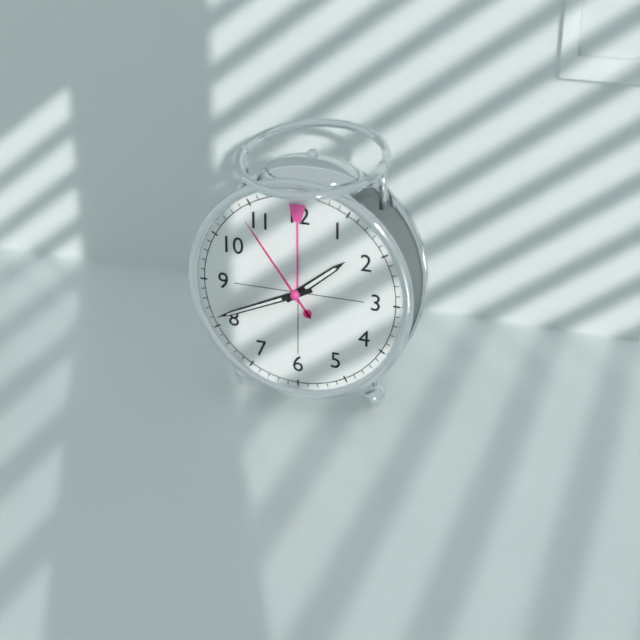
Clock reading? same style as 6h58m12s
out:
1h41m54s
